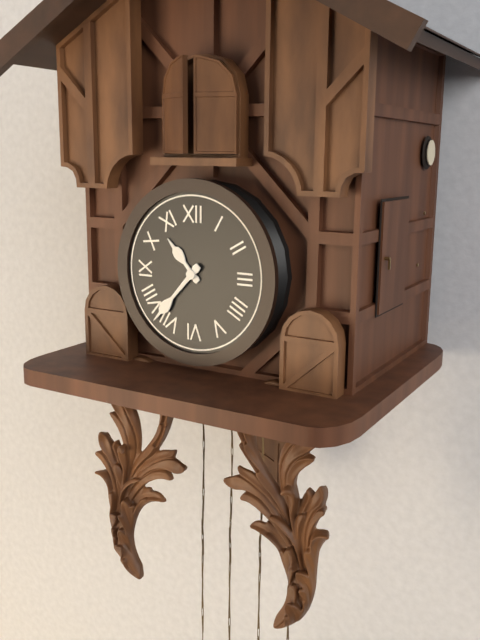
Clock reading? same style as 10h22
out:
10h37
